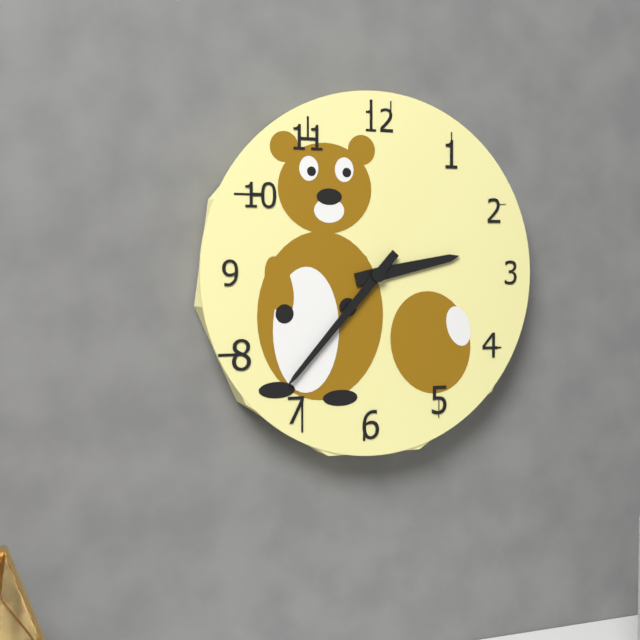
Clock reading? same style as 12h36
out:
2h37
